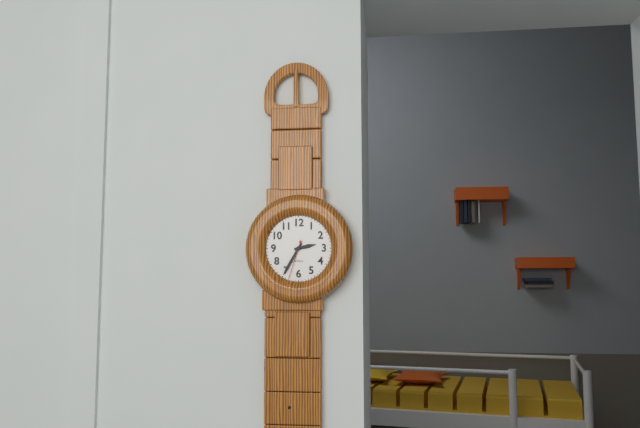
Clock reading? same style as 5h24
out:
2h35
